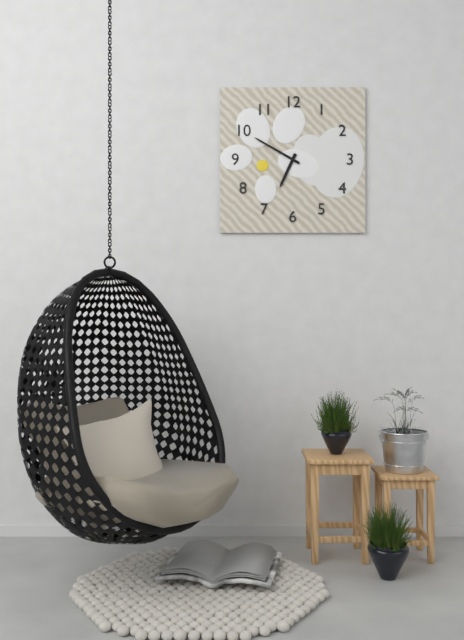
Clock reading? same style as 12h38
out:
6h50
